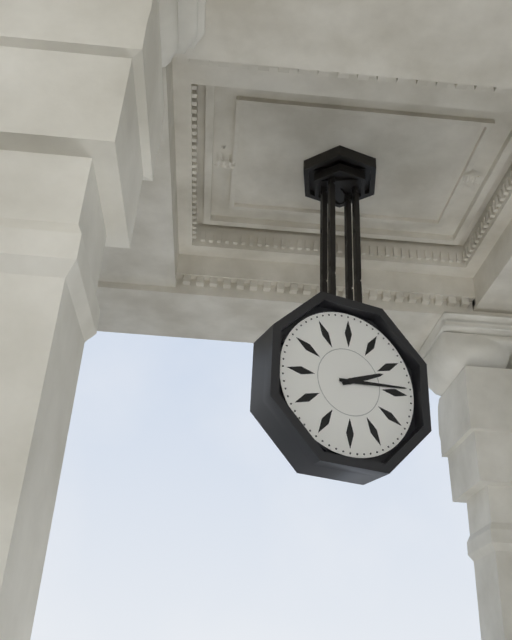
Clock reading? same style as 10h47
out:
2h14
